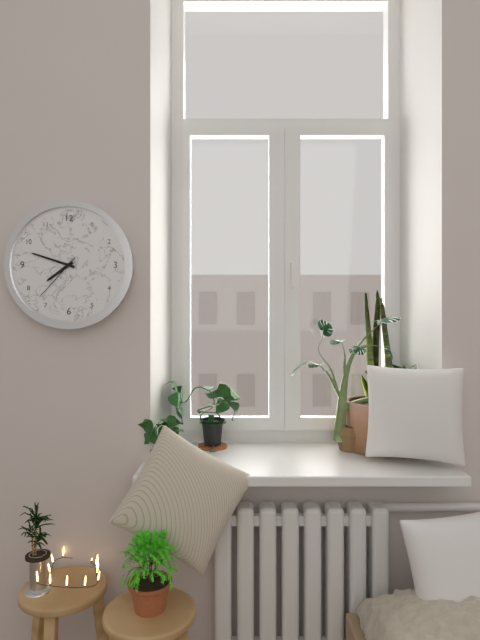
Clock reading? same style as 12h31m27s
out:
7h48m37s
